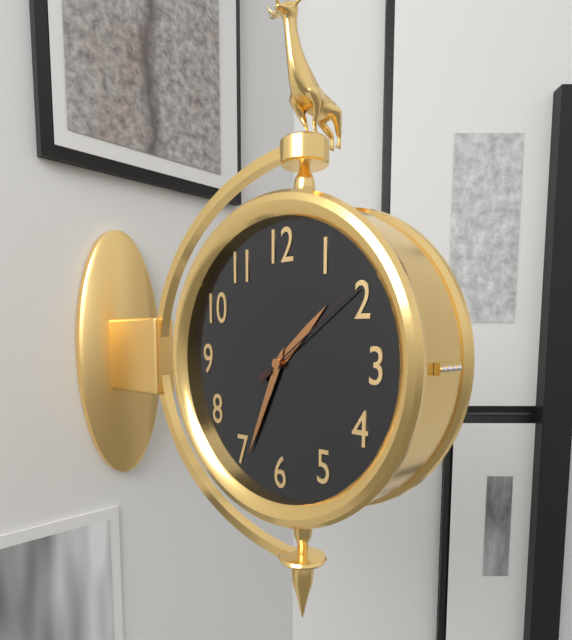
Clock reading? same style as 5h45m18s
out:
1h34m09s
